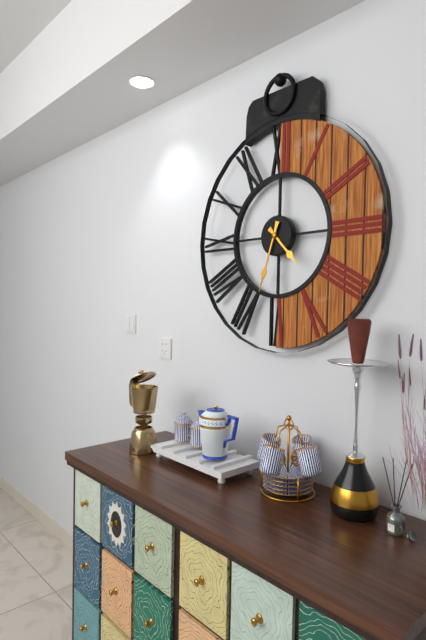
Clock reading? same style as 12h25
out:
4h33
